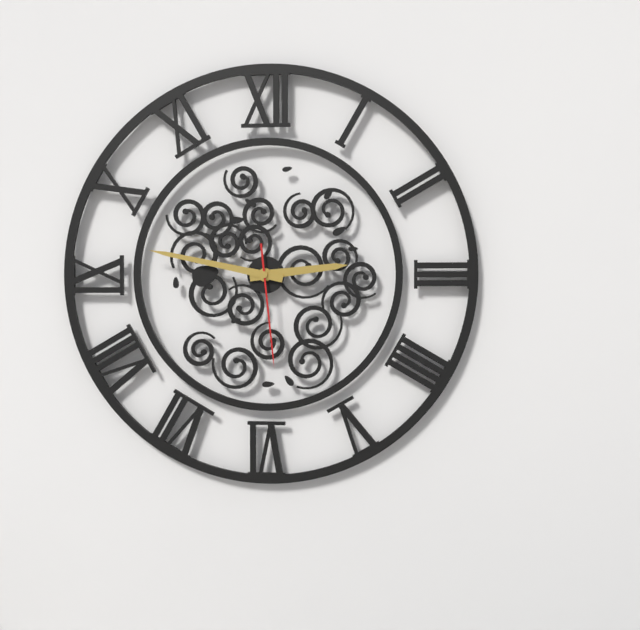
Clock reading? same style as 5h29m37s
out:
2h47m29s
